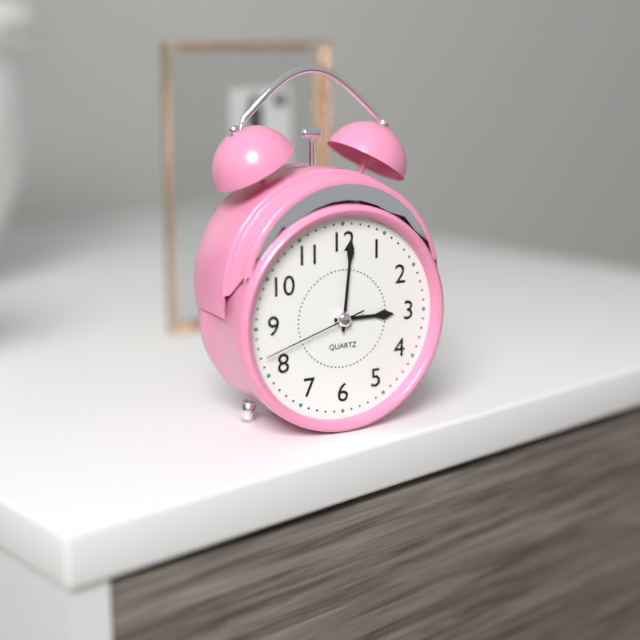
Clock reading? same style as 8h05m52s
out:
3h01m42s
